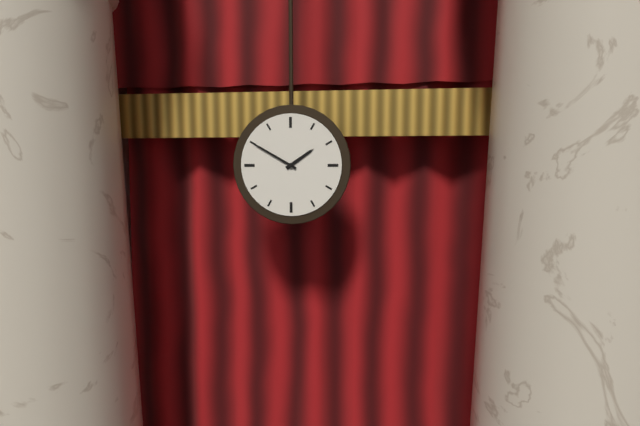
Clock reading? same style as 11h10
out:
1h50
